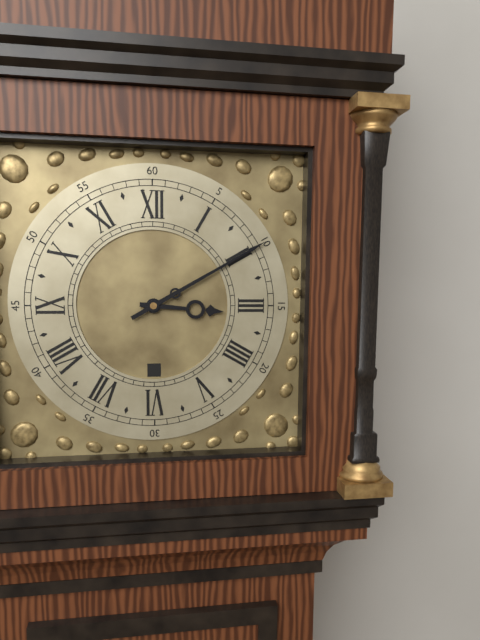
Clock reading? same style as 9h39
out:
3h10
